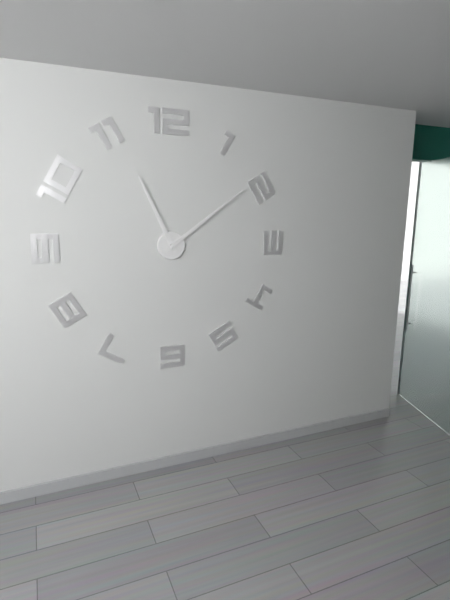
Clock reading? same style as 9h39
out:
11h09
